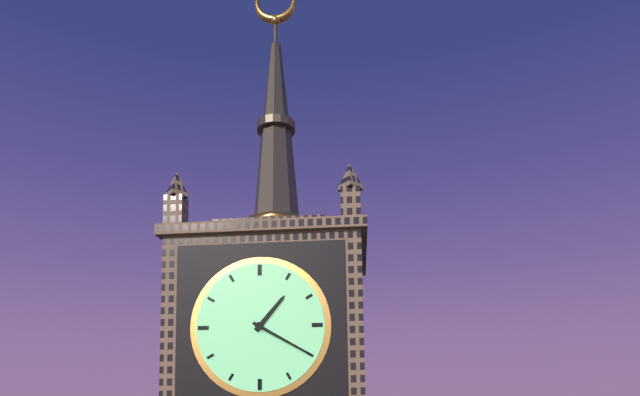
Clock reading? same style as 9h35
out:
1h20
